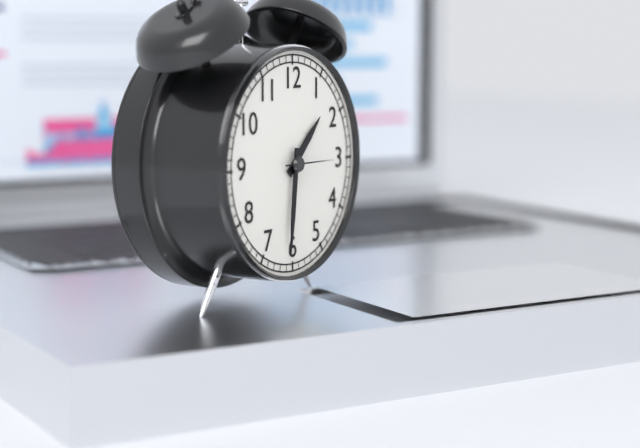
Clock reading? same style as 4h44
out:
1h31
